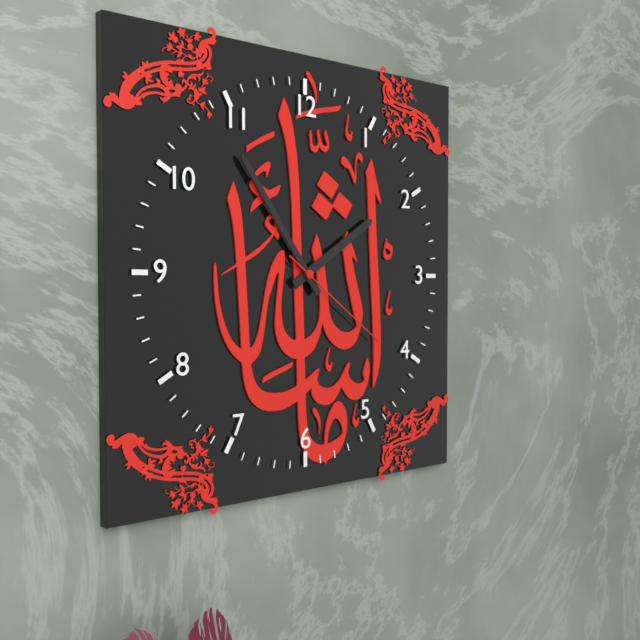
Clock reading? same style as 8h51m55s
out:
1h54m21s
